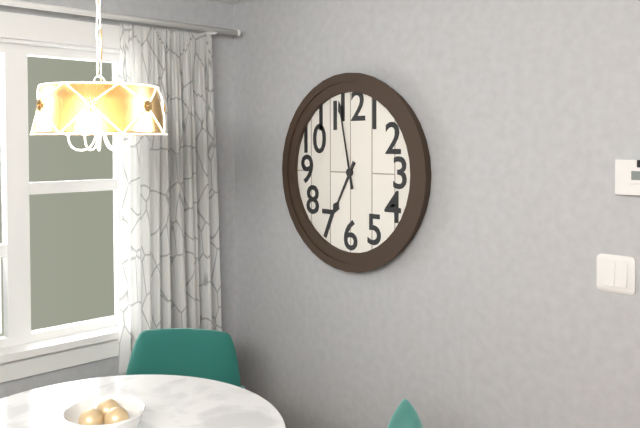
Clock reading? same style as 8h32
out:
6h58
